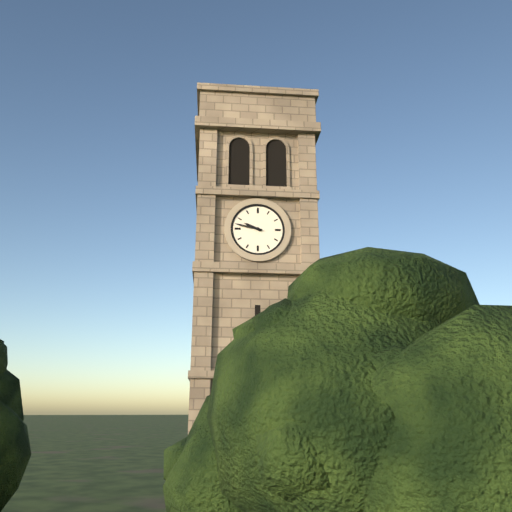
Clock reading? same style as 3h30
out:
9h47
